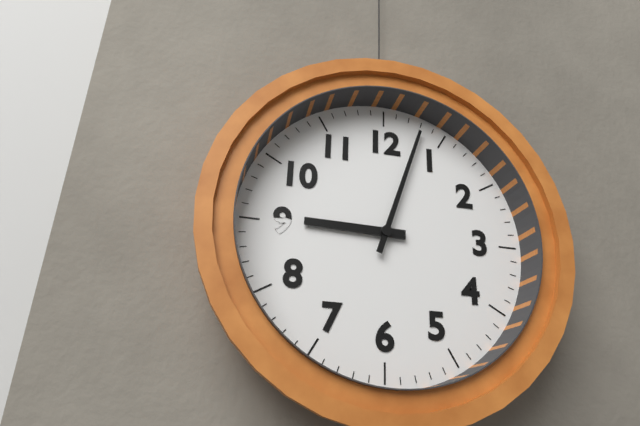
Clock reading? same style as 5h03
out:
9h03
